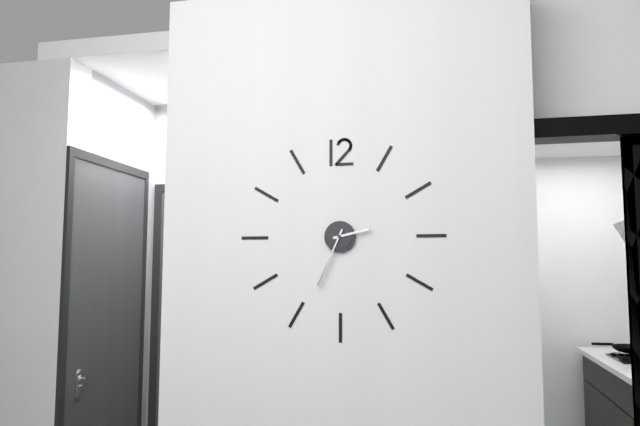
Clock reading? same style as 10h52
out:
2h34
